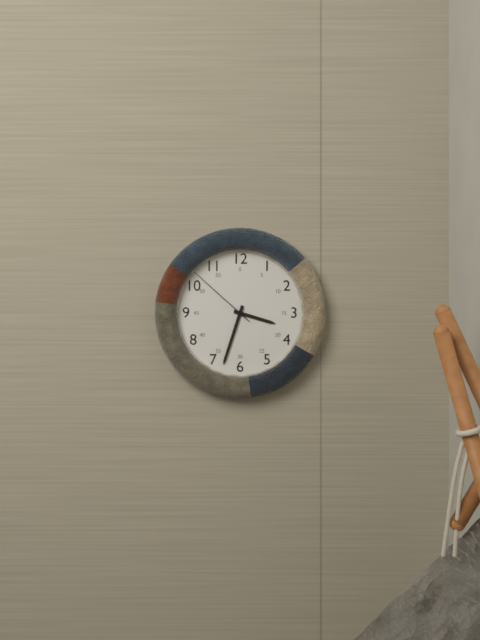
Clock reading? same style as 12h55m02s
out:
3h33m52s
